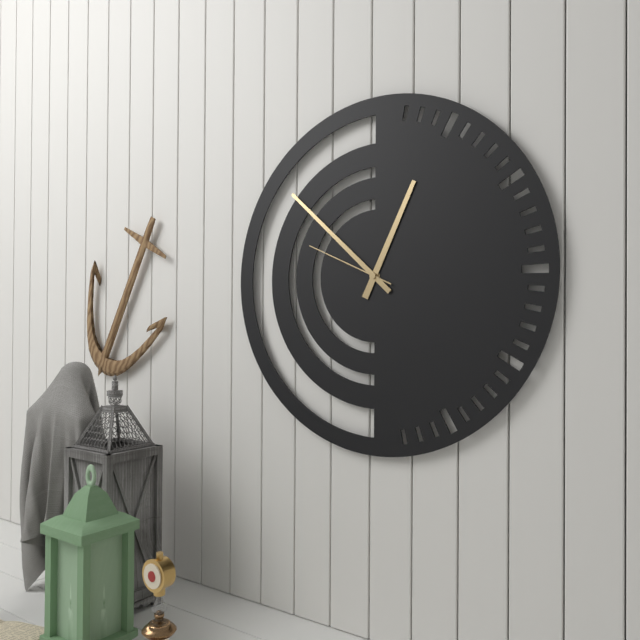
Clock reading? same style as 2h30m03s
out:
12h52m49s
